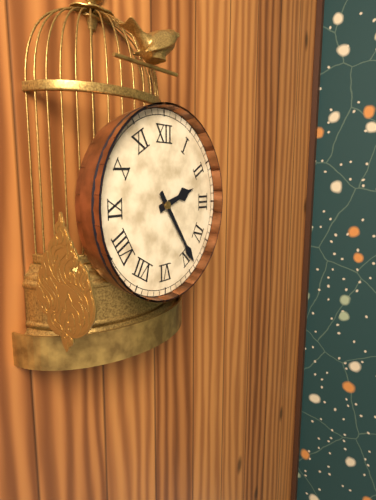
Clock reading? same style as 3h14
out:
2h24
